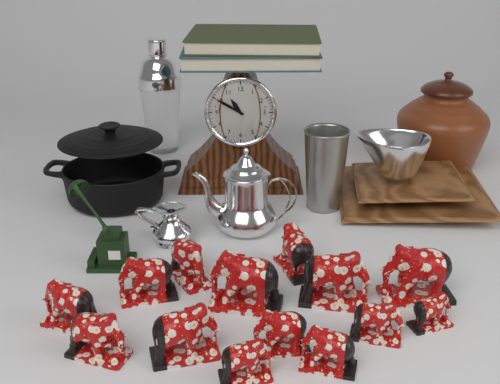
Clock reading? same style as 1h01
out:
10h50
